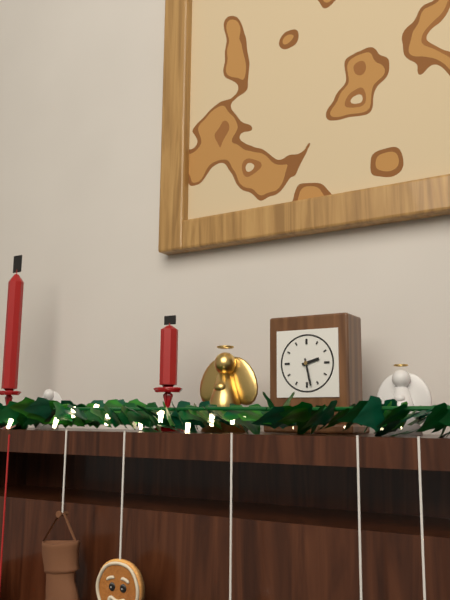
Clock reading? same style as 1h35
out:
2h28
